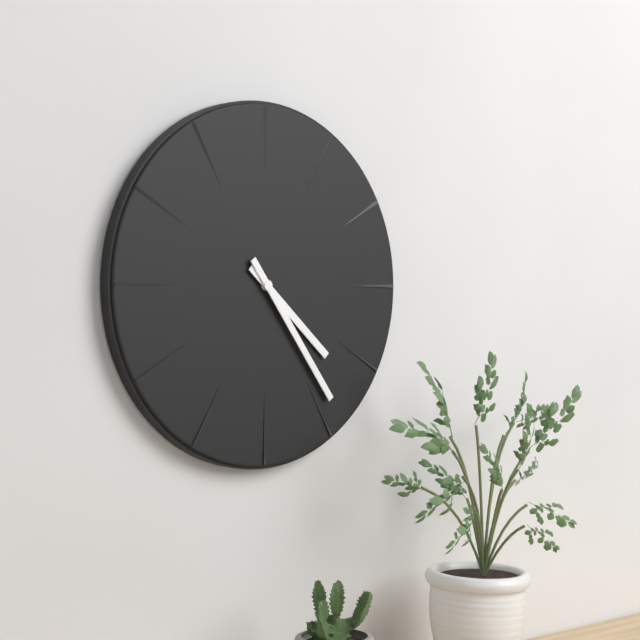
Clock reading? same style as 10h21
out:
4h24
